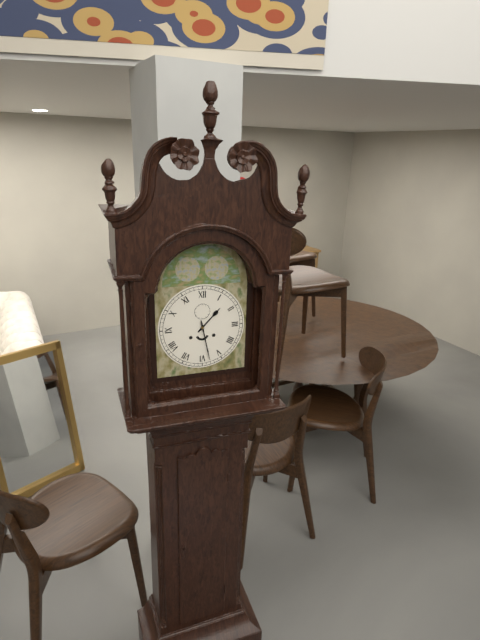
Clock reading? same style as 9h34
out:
1h28
